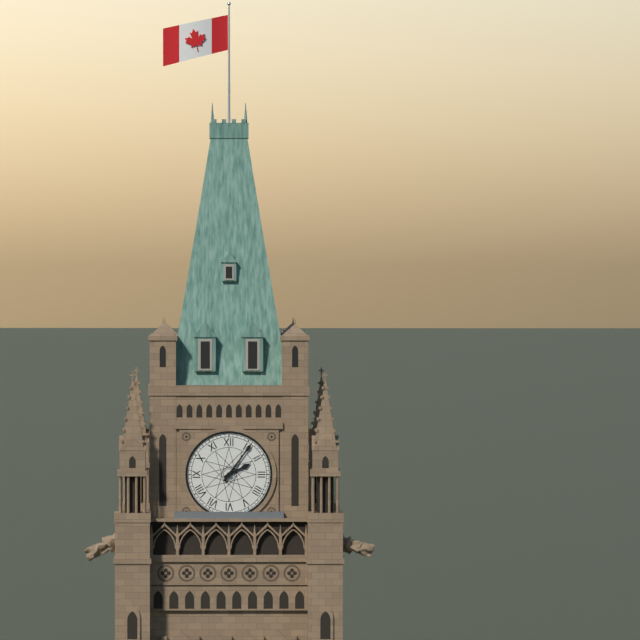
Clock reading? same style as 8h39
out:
2h06
